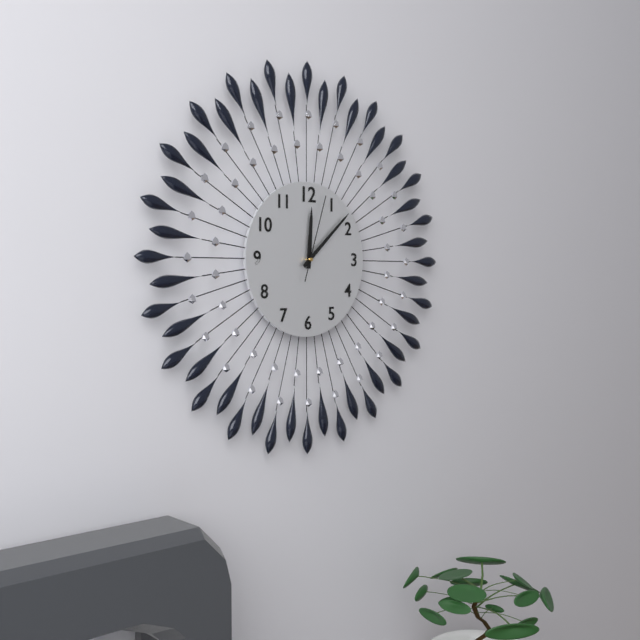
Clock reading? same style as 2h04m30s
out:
12h08m03s
